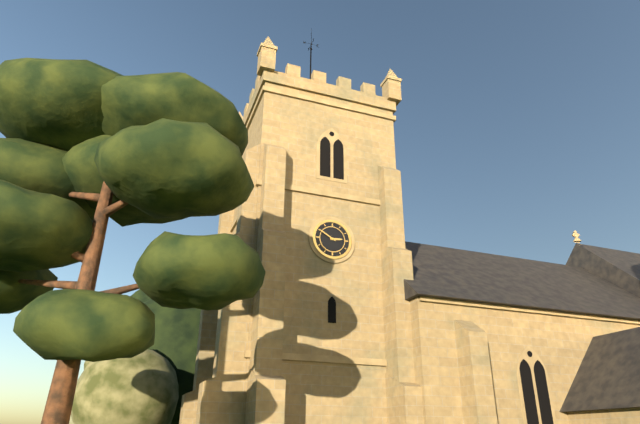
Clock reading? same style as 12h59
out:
2h50
